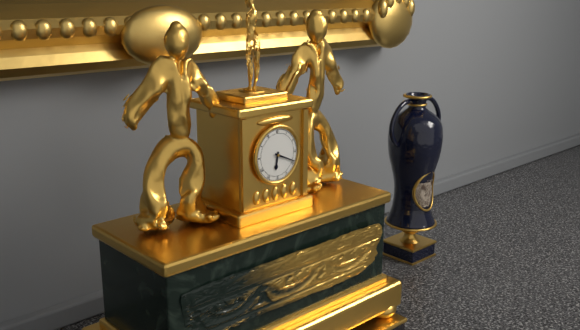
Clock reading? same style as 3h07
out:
6h19
